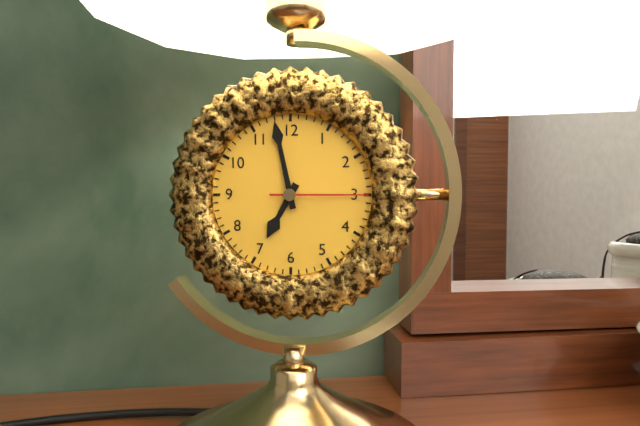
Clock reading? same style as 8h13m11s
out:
6h58m15s
